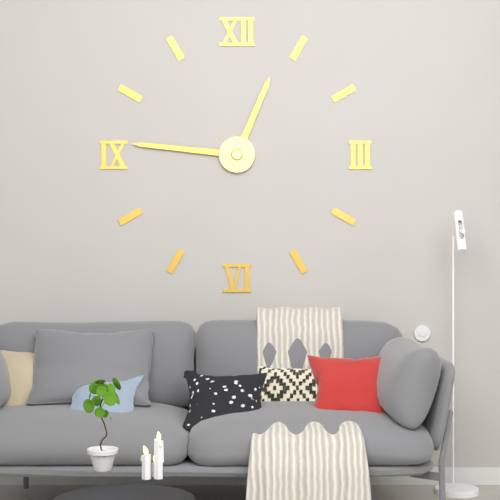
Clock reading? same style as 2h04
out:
12h46
